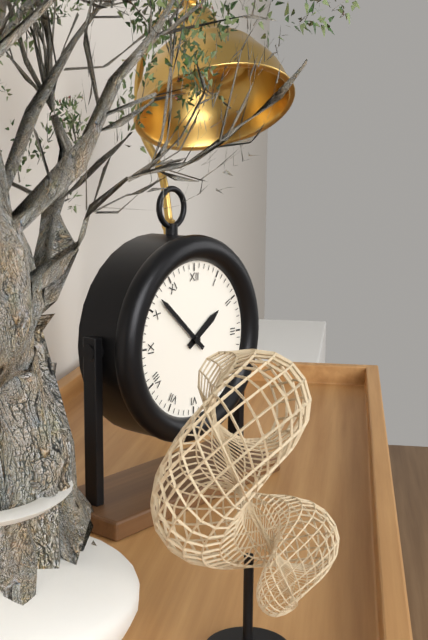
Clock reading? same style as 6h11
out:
1h52
